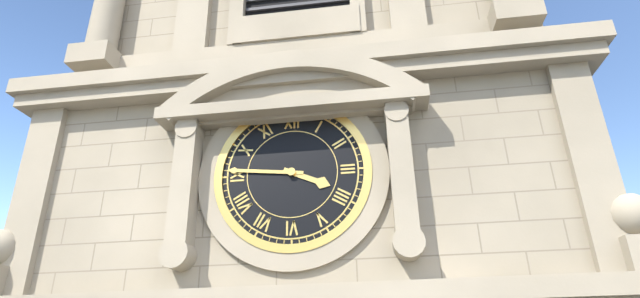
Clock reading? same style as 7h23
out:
3h46
